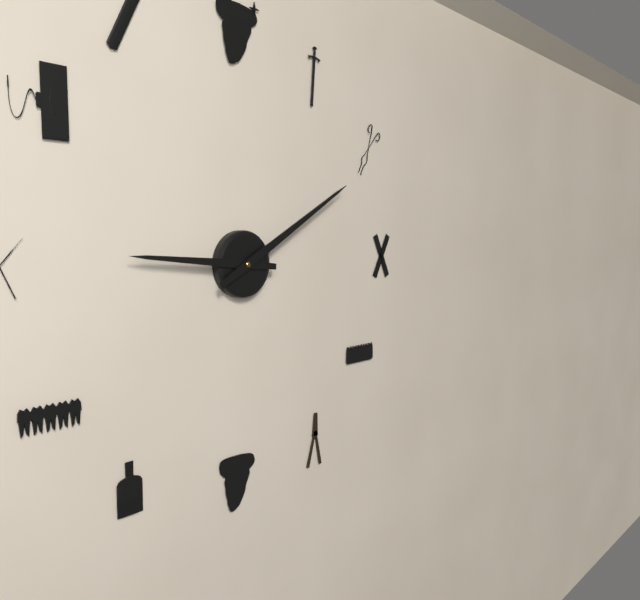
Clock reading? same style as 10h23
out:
9h10
